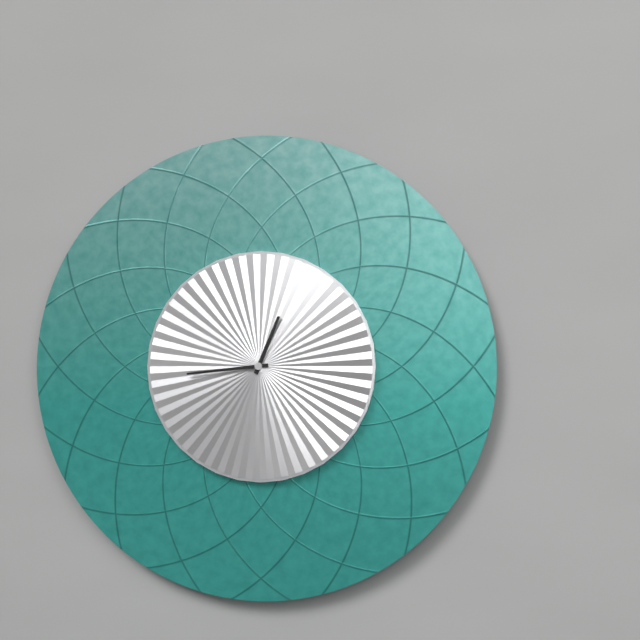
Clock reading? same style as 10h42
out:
12h44
